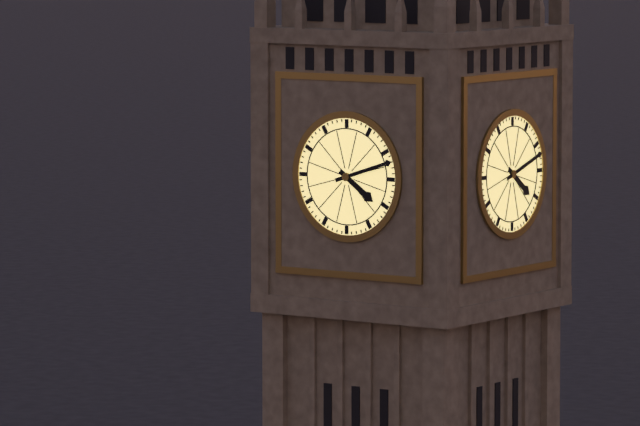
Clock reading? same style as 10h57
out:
4h12
